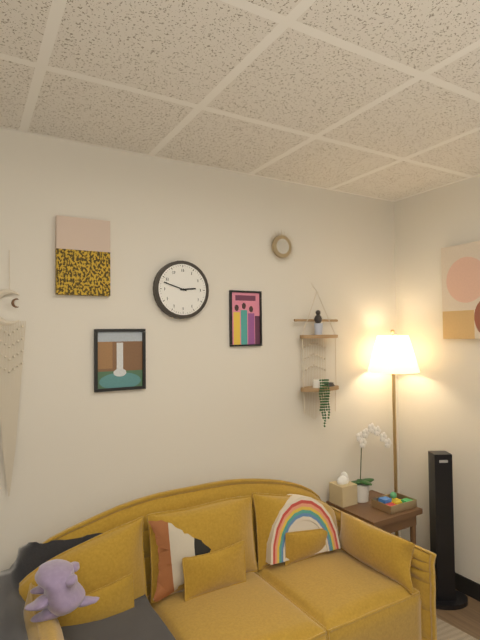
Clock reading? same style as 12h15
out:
2h48
